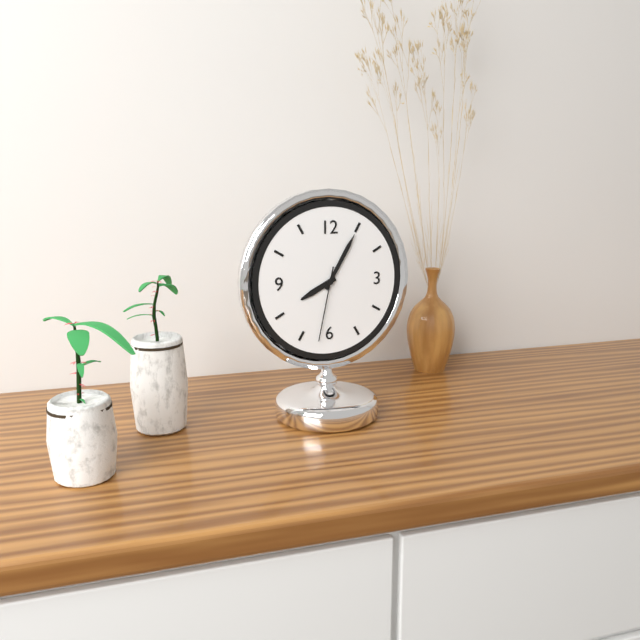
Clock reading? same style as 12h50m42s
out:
8h05m32s
